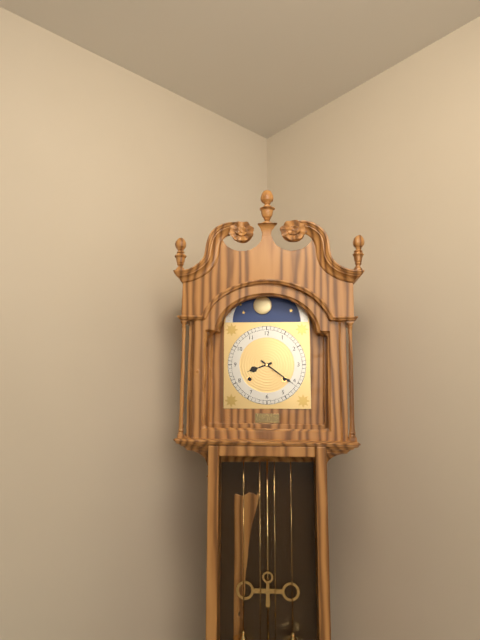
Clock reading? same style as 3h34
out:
8h21
